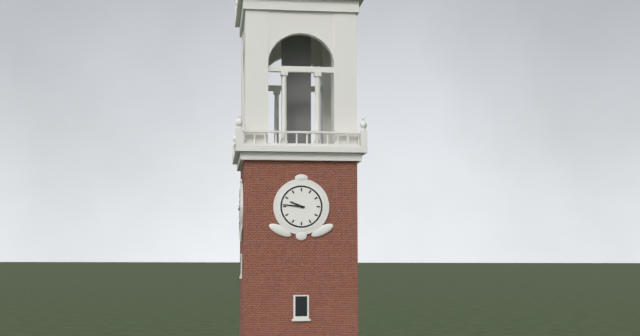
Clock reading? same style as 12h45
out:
9h46
